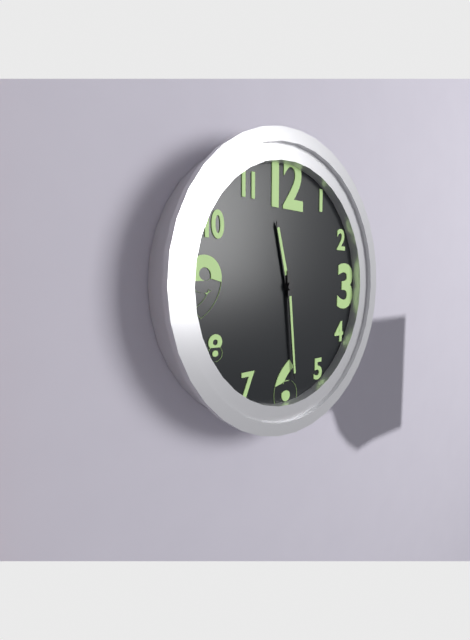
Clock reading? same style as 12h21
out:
11h29
